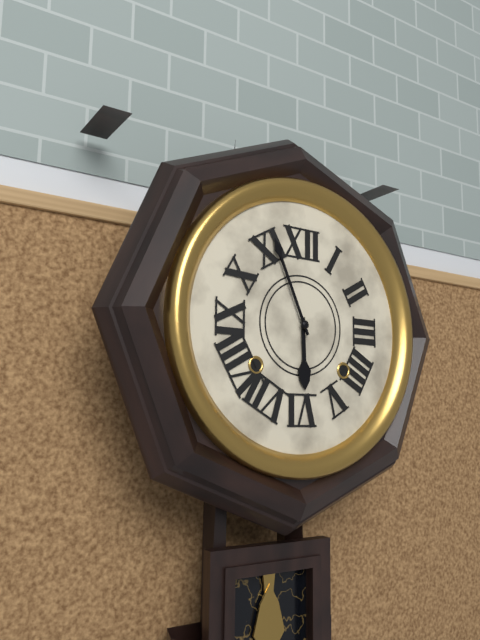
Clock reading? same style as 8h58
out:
5h56
